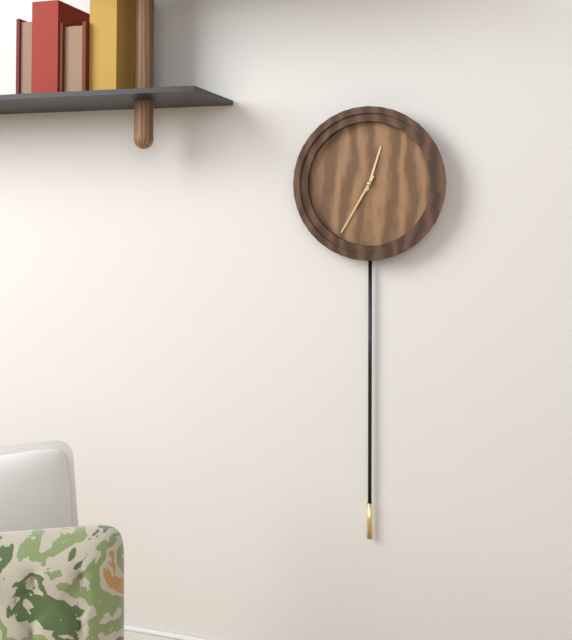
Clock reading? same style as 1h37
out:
12h35
